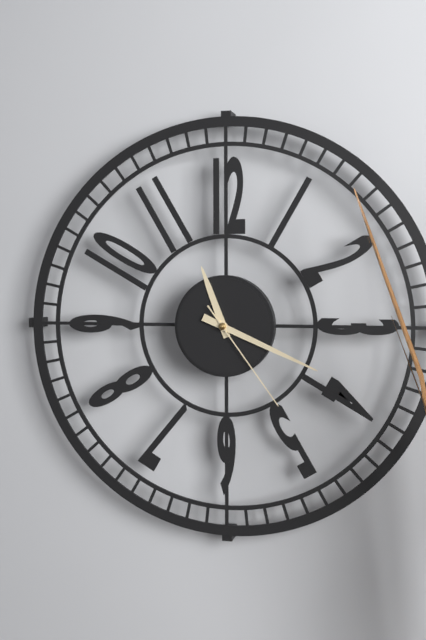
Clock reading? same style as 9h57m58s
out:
11h19m24s
